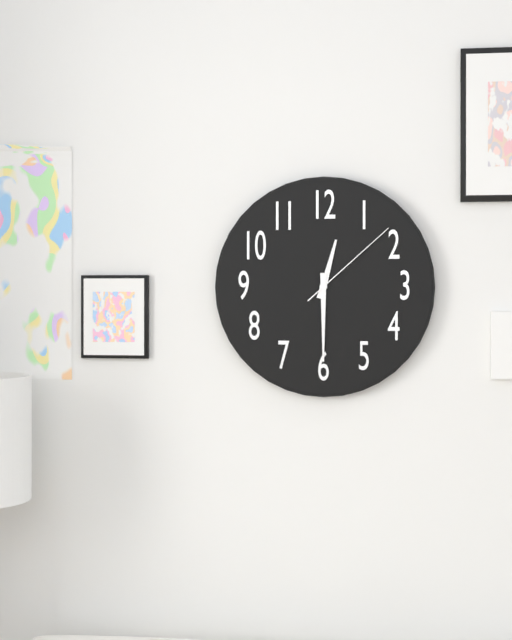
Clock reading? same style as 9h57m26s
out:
12h30m08s
